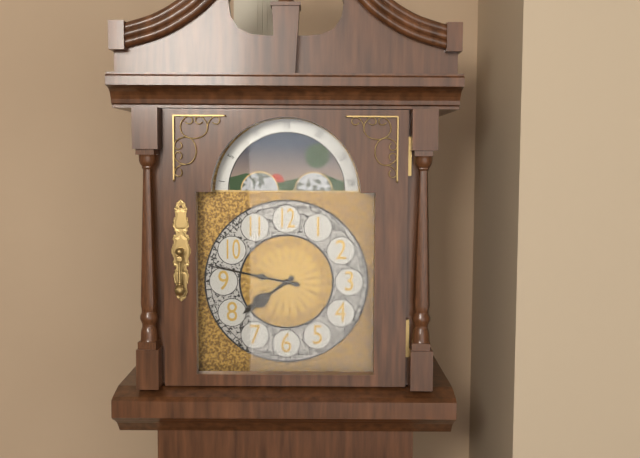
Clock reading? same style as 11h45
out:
7h47
